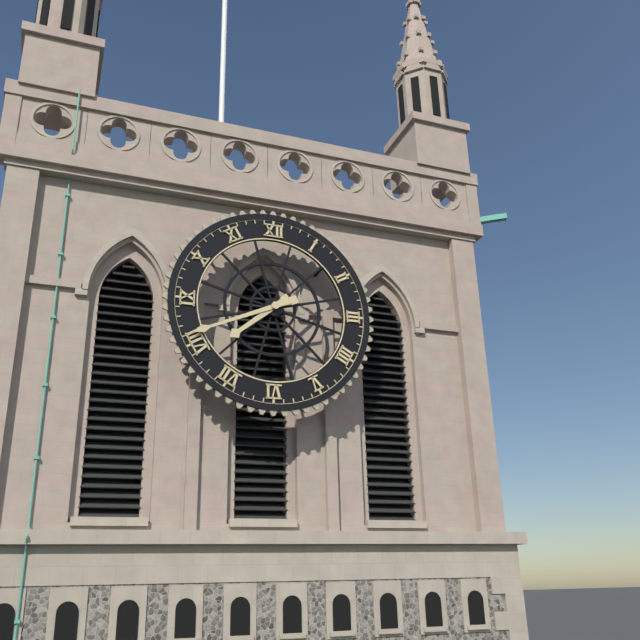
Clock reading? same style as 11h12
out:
7h41
